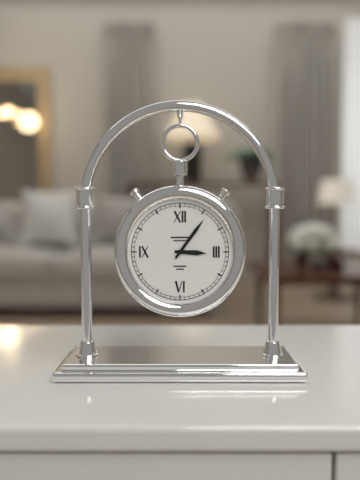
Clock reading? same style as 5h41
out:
3h06
